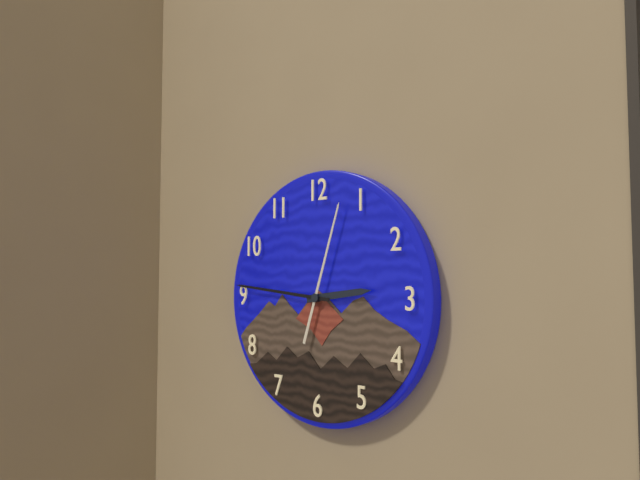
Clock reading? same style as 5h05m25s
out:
2h46m03s
